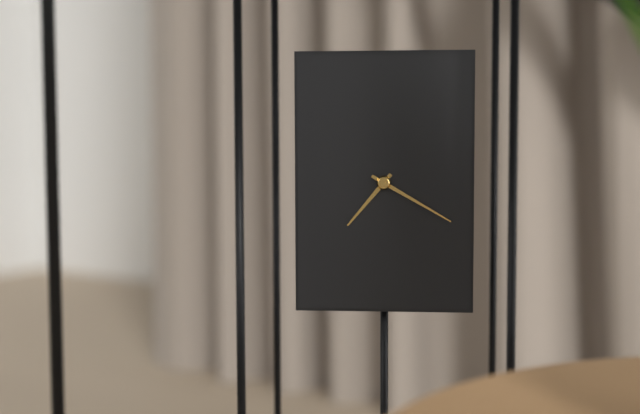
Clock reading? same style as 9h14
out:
7h20
